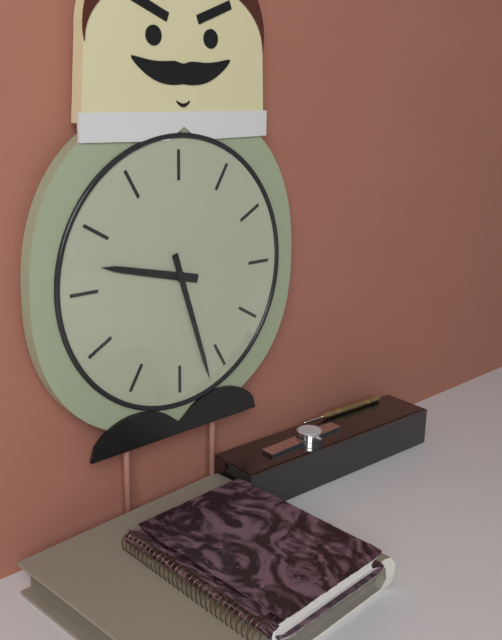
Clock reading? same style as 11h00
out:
9h27
